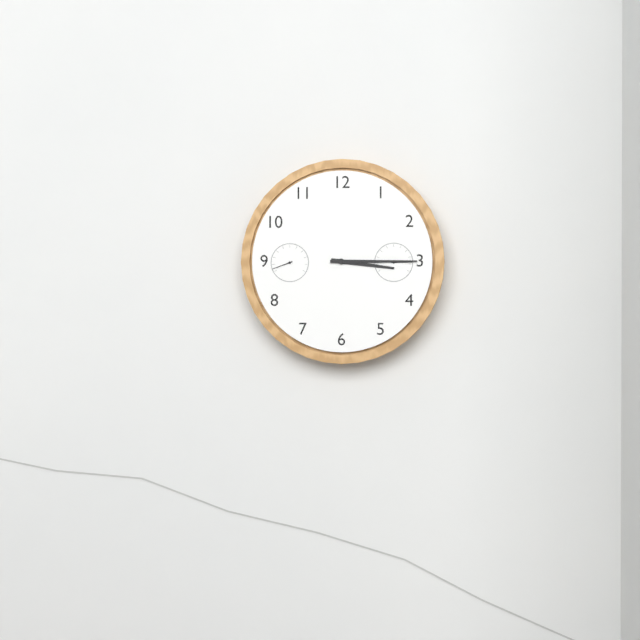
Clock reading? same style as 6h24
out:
3h15
